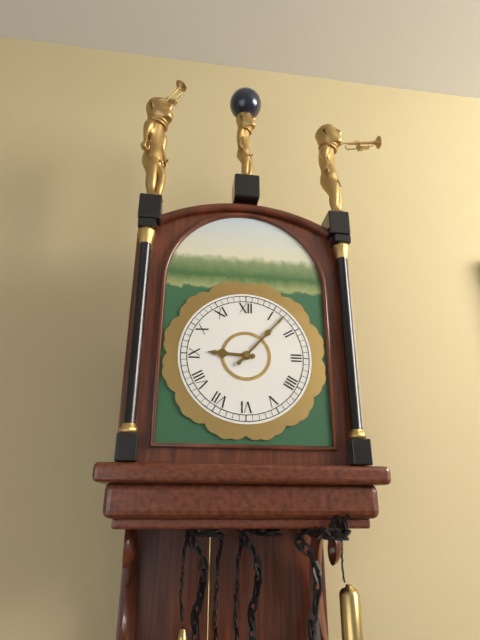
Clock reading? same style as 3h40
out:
9h07
